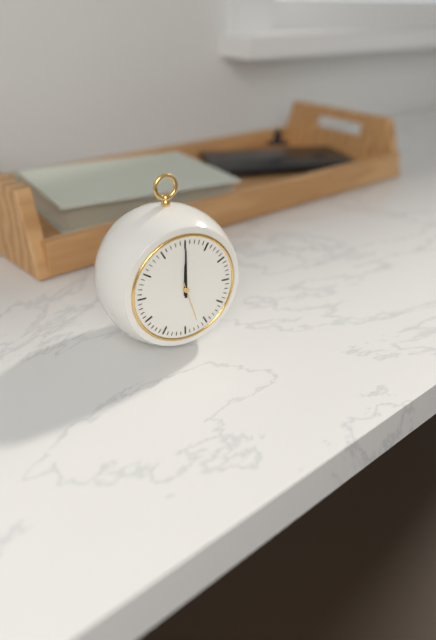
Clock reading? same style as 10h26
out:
12h00
